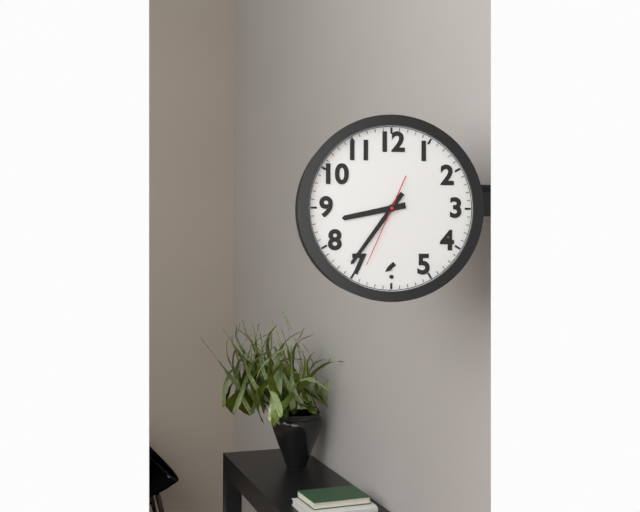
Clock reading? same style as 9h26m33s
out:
8h36m34s
